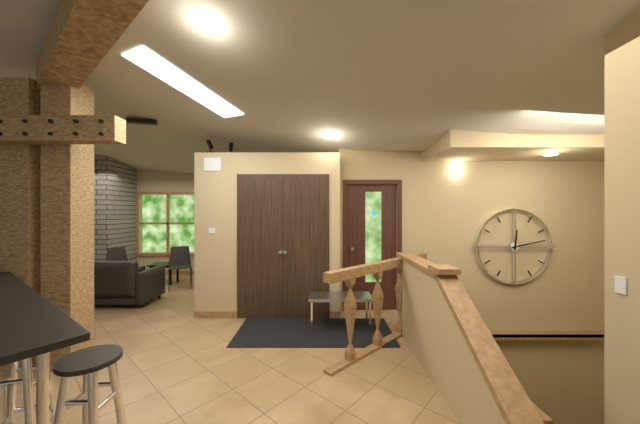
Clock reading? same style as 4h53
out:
12h13
